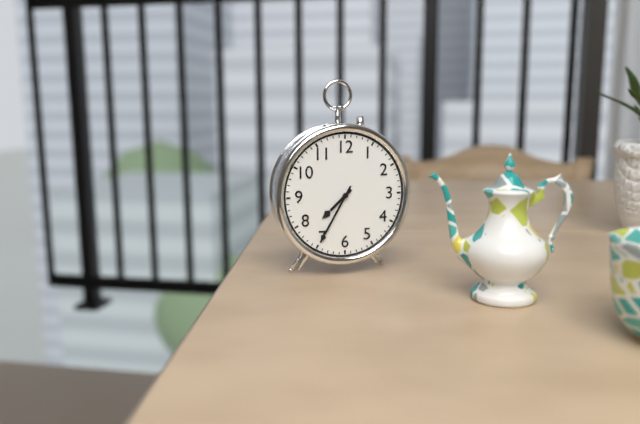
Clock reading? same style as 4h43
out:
7h35
